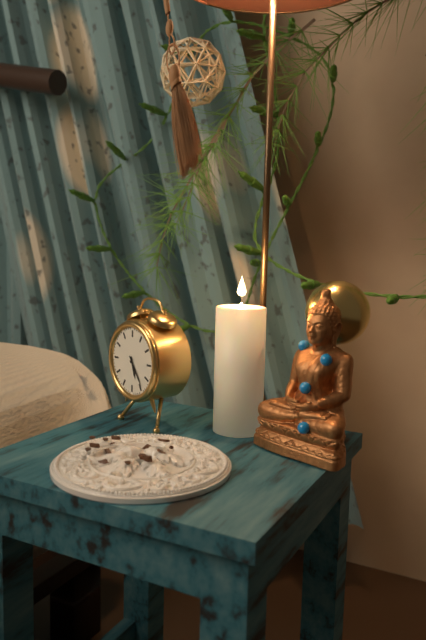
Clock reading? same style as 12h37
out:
5h24
